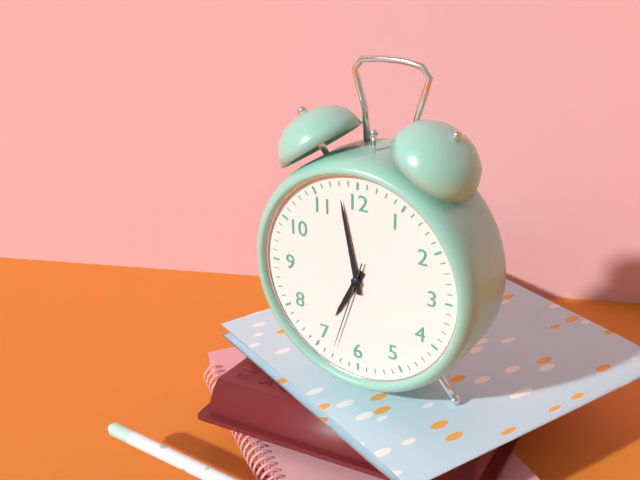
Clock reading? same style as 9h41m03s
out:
6h58m33s
